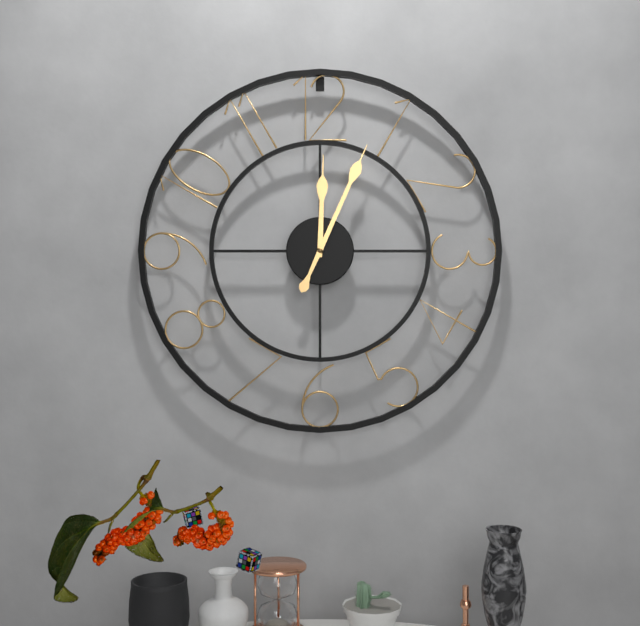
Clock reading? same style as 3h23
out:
12h04
